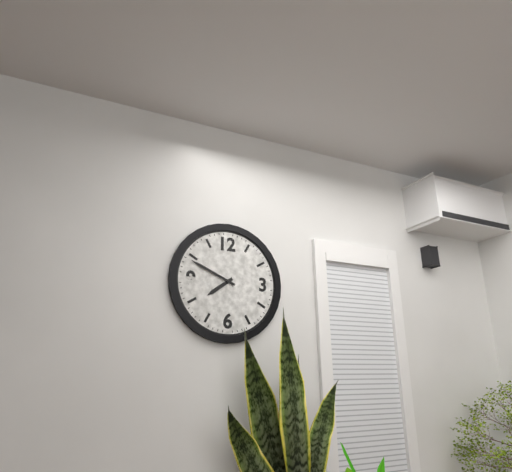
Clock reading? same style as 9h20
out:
7h49
